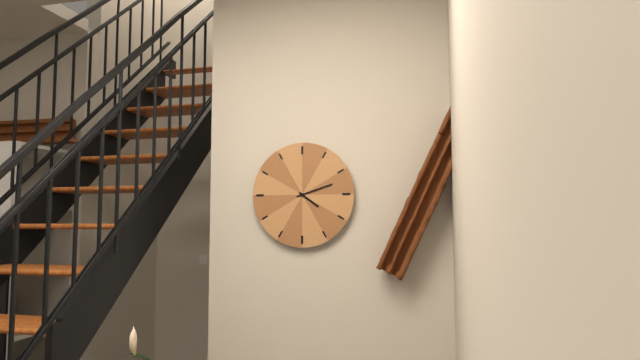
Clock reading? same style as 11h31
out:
4h12
